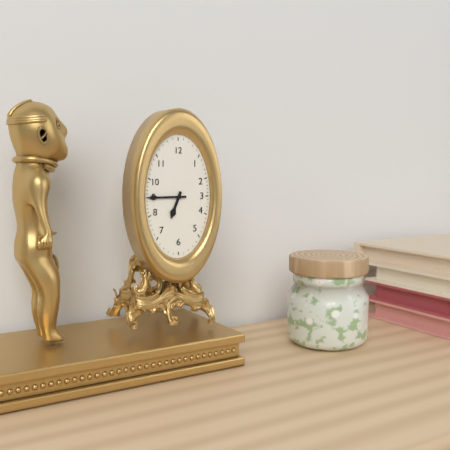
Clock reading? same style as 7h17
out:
6h45
